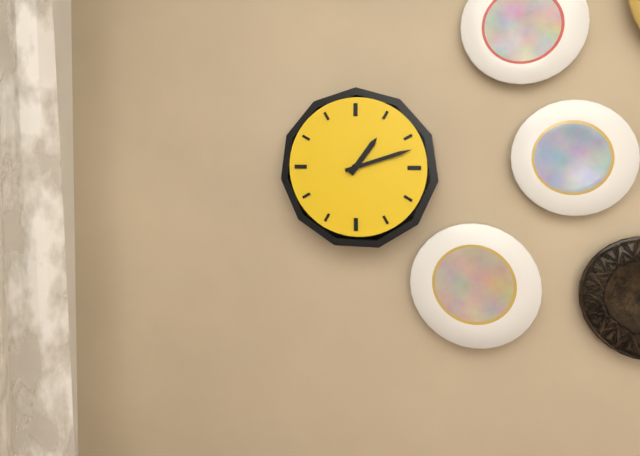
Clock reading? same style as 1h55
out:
1h12
